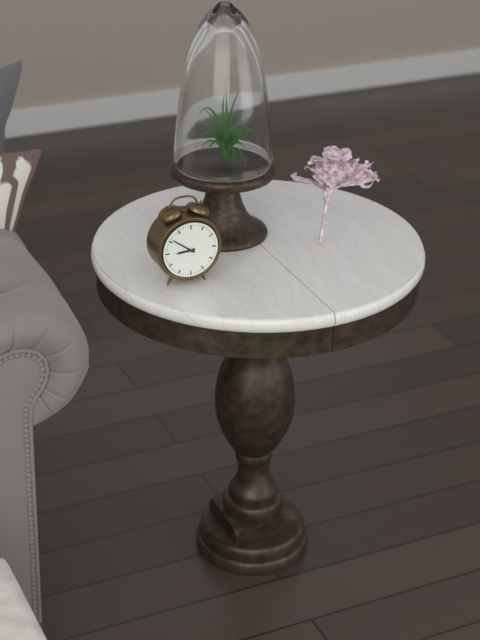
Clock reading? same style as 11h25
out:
8h51
